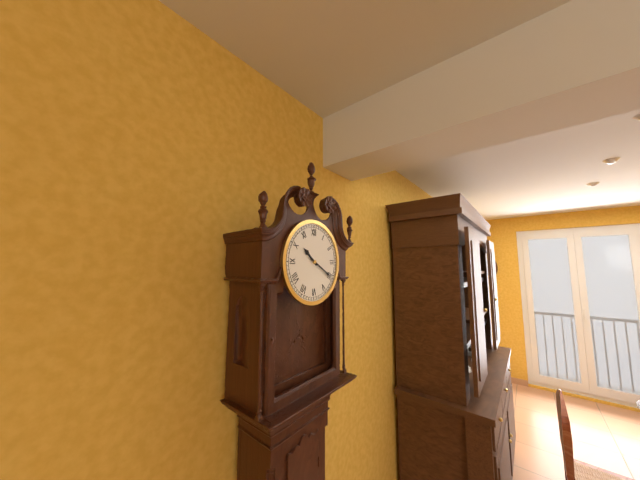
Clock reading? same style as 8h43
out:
10h20
